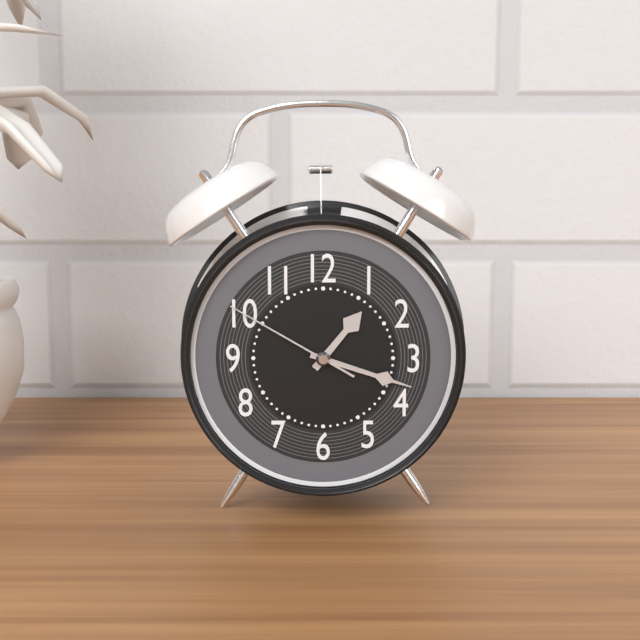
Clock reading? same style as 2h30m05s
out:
1h18m50s
